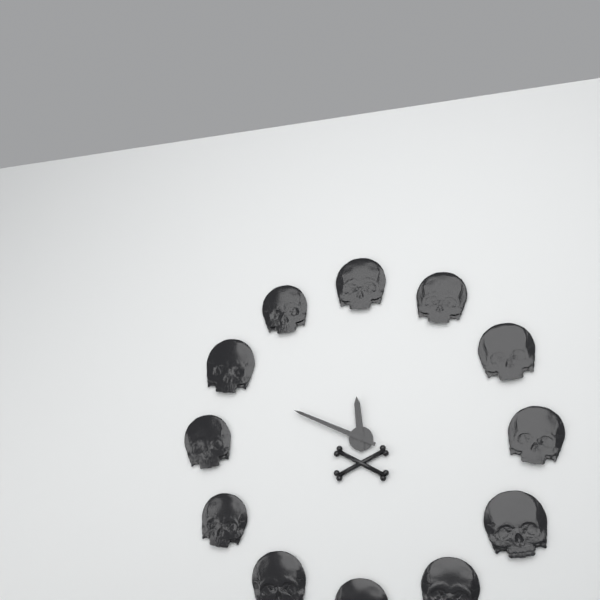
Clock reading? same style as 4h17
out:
11h49
